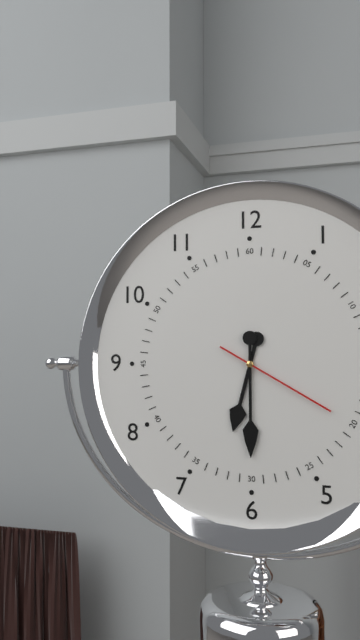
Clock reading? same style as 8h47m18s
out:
6h30m20s
